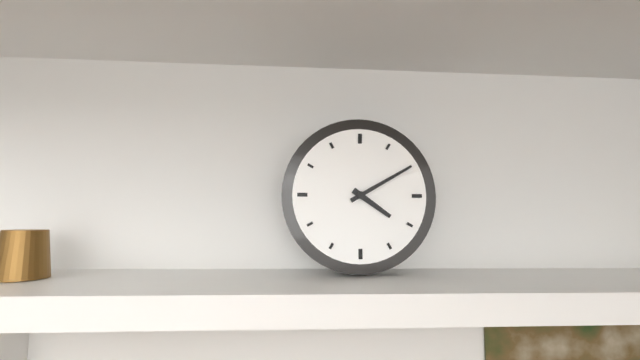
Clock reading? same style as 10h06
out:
4h10
